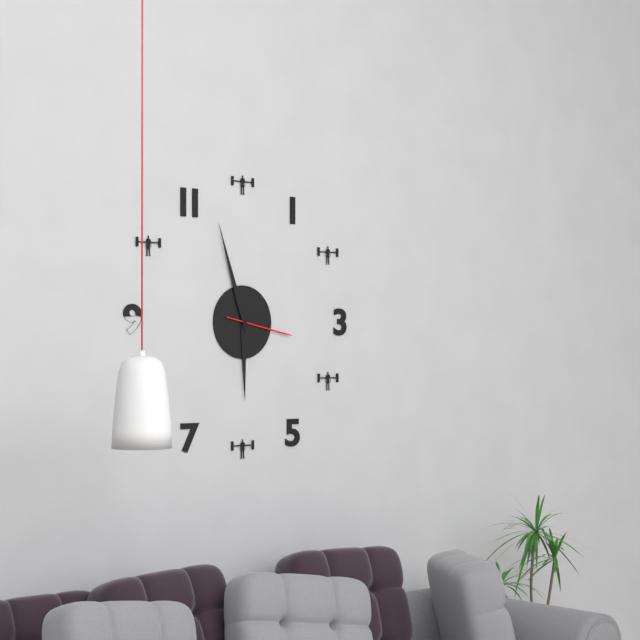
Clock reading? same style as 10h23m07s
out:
5h57m17s
